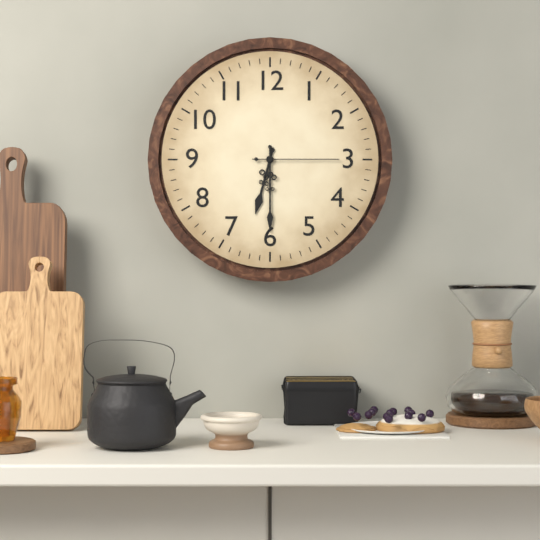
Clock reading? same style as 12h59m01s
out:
6h30m15s
